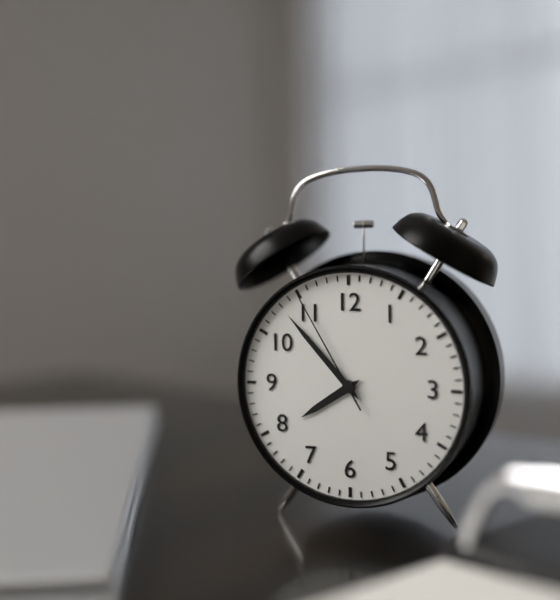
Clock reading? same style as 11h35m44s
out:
7h53m55s
